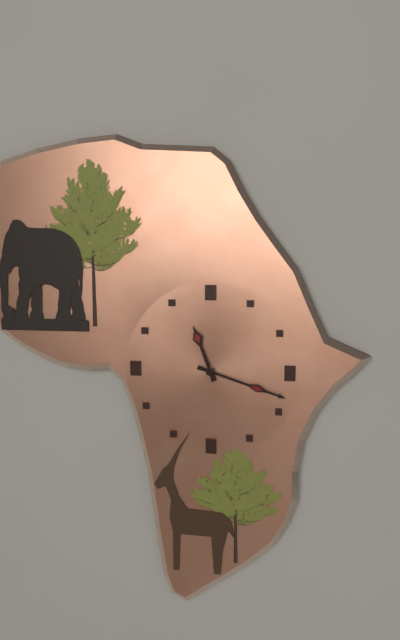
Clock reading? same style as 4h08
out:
11h18
